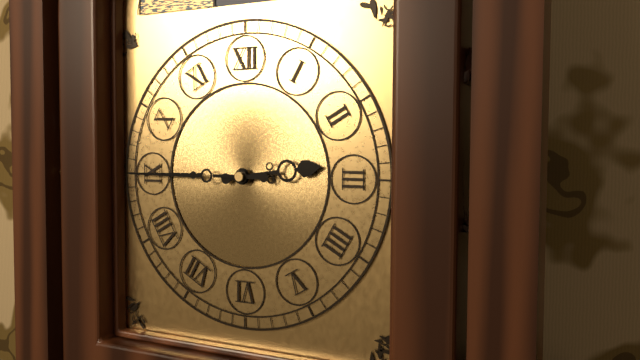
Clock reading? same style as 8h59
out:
2h45
